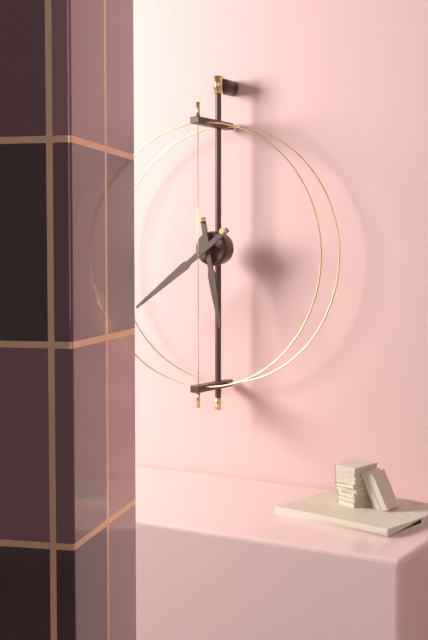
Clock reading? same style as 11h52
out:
5h39
